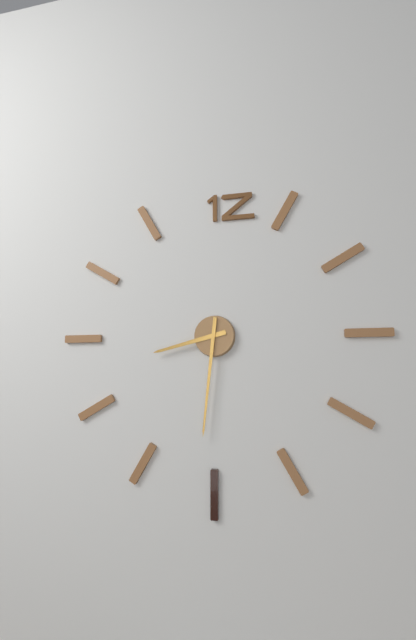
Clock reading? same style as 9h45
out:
8h31
